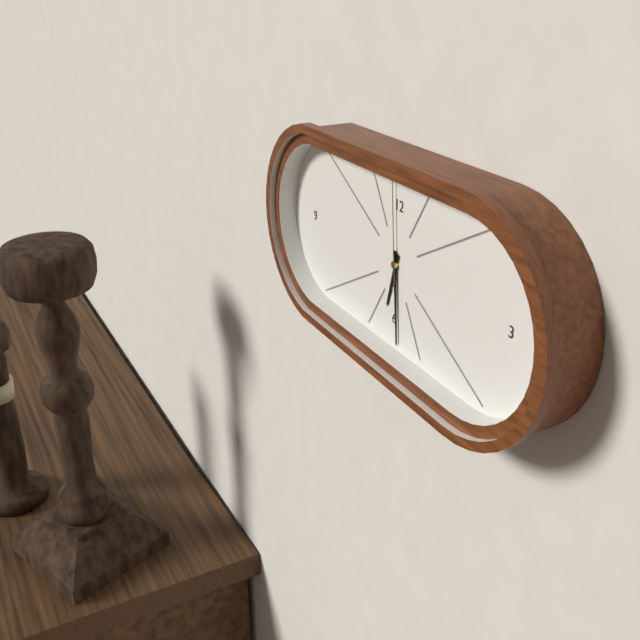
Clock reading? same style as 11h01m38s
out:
6h29m59s
